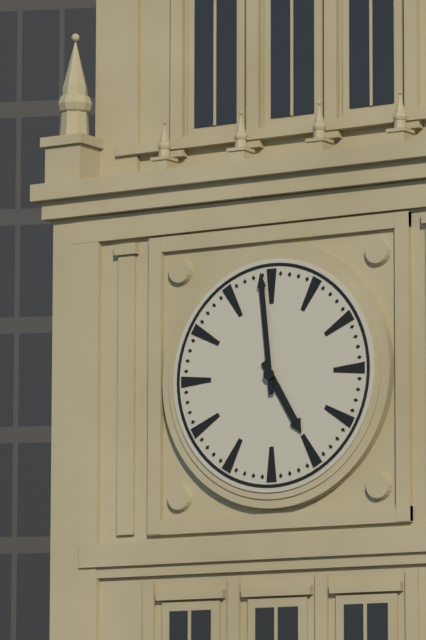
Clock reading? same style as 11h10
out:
4h59
